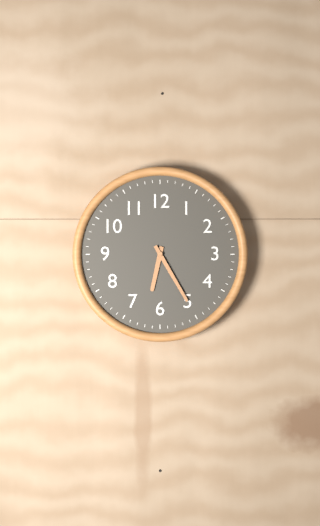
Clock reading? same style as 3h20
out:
6h25
